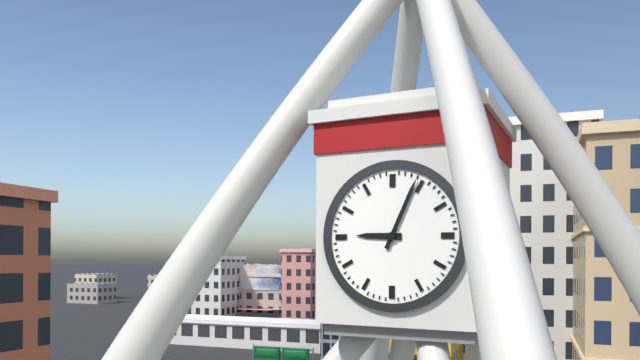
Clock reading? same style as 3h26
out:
9h04
